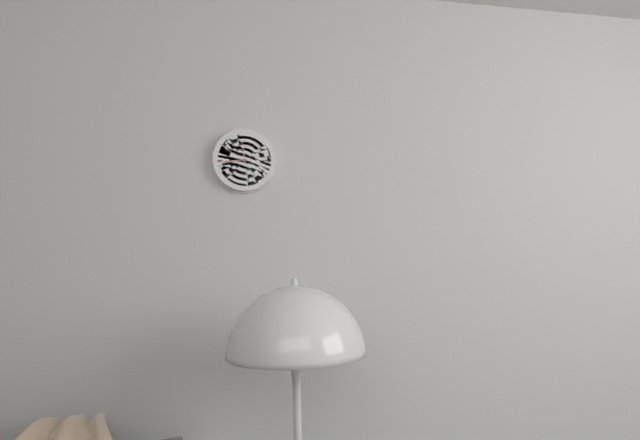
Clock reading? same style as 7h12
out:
11h44
